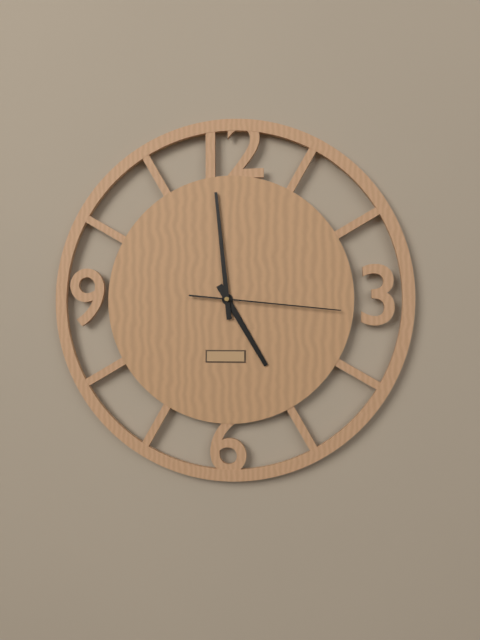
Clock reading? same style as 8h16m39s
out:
4h59m16s
